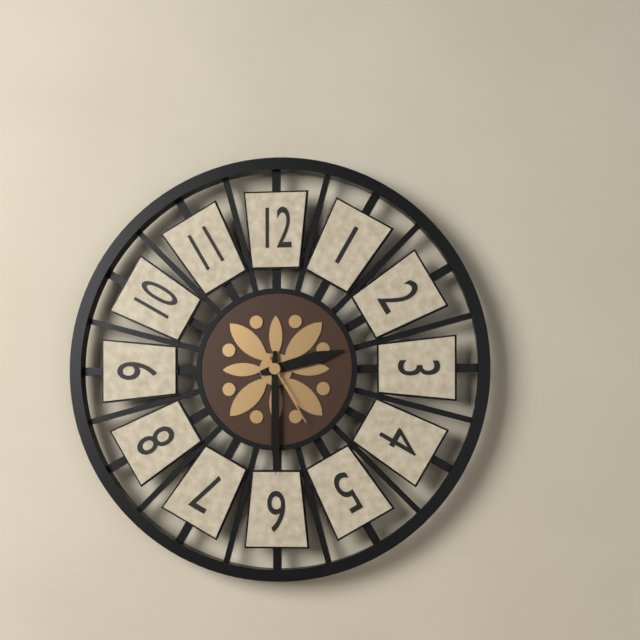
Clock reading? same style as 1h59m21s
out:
2h30m25s
